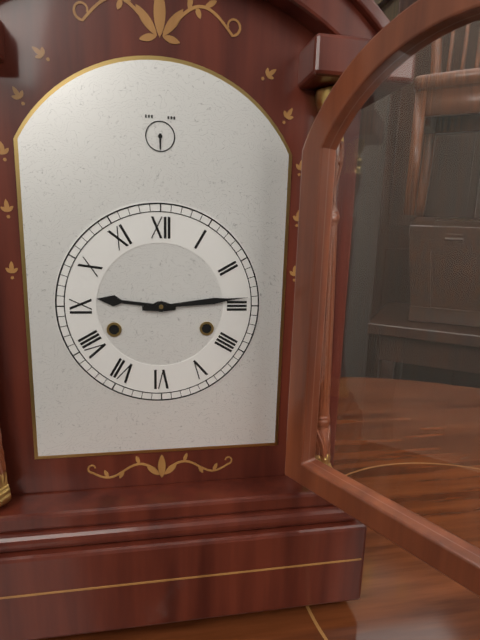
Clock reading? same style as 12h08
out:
9h14
